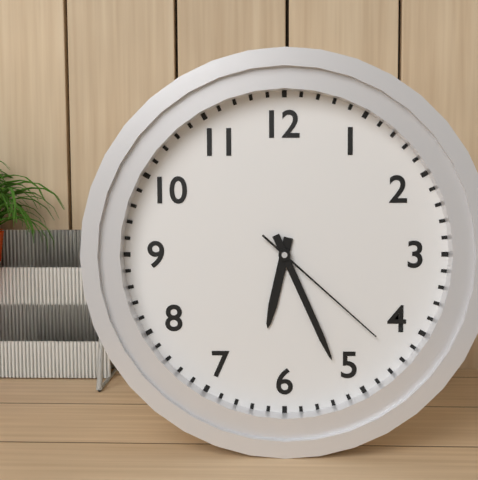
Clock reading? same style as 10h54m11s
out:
6h26m22s
